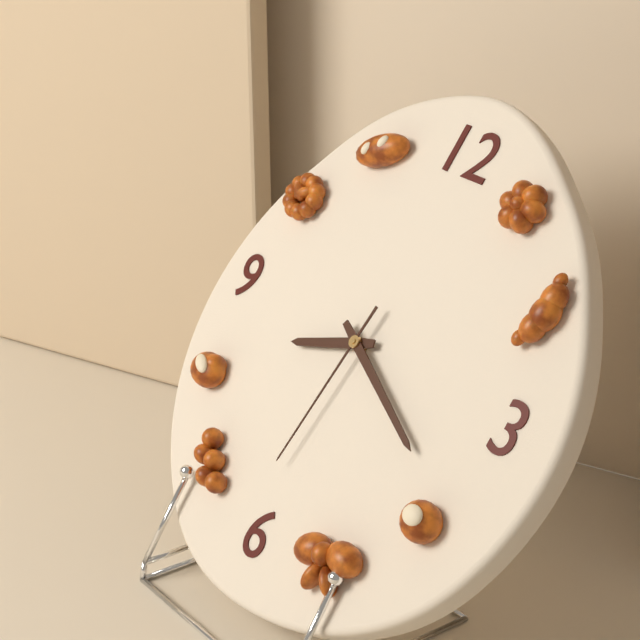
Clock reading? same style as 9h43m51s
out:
8h19m31s
